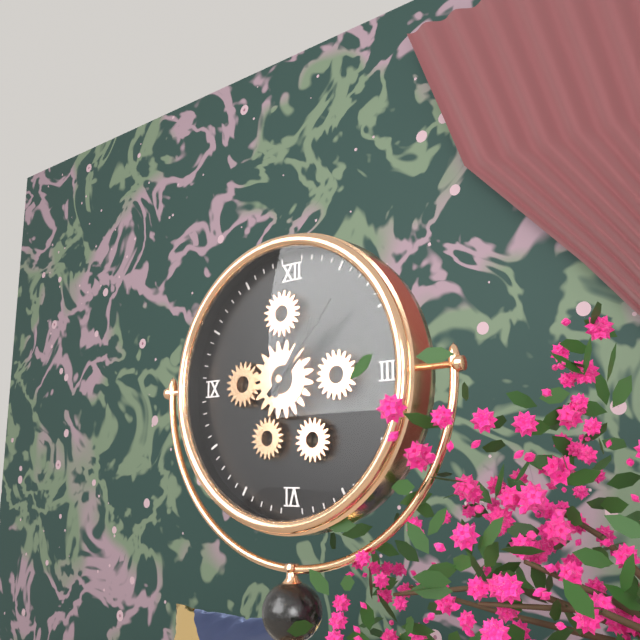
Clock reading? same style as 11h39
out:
1h07
